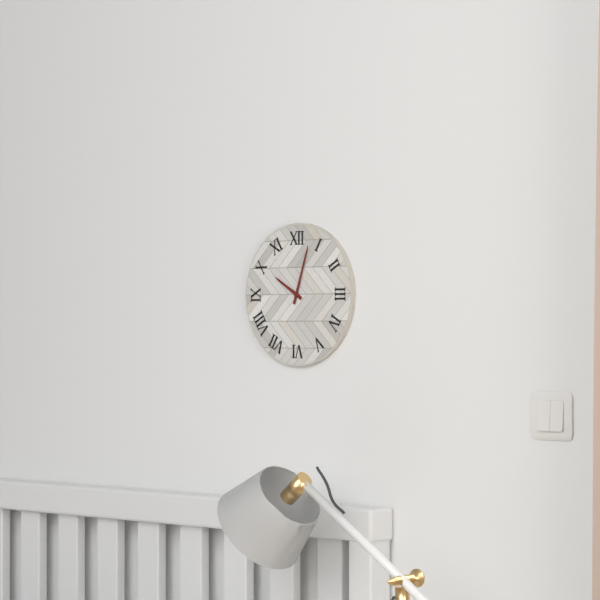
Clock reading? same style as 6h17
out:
10h03
